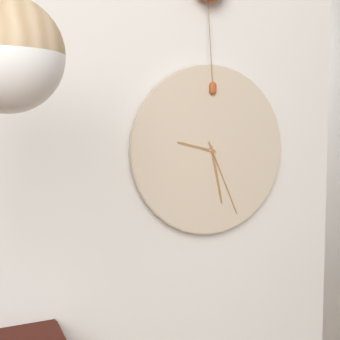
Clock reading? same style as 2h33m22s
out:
9h28m26s
